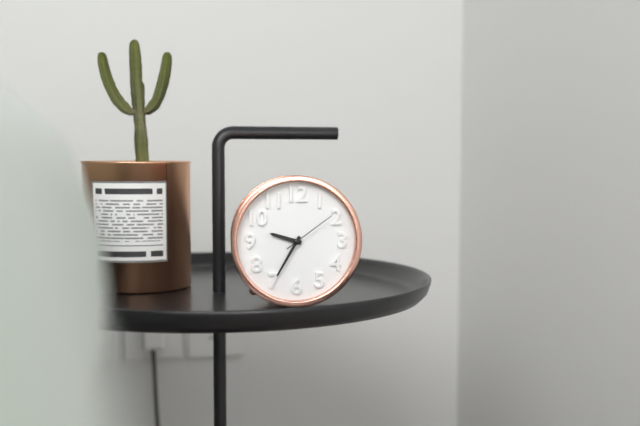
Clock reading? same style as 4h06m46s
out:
9h35m09s
